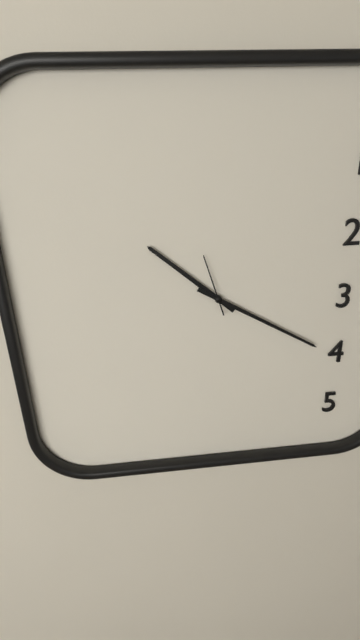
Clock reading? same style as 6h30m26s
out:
10h20m57s
